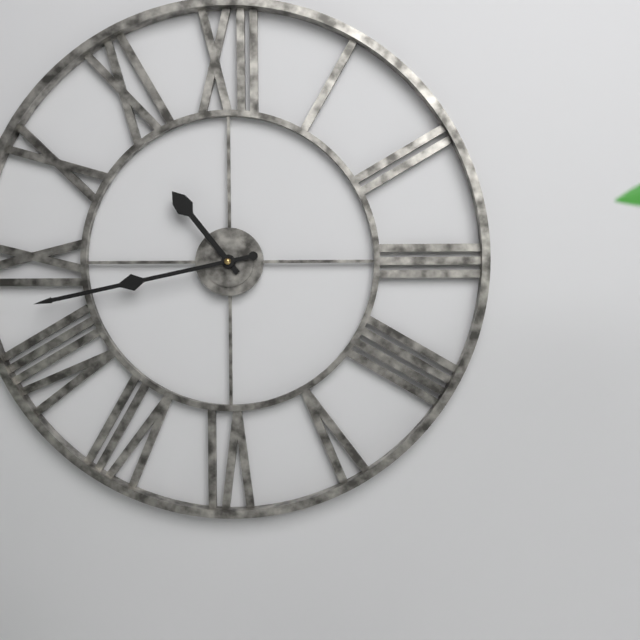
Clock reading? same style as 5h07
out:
10h43
